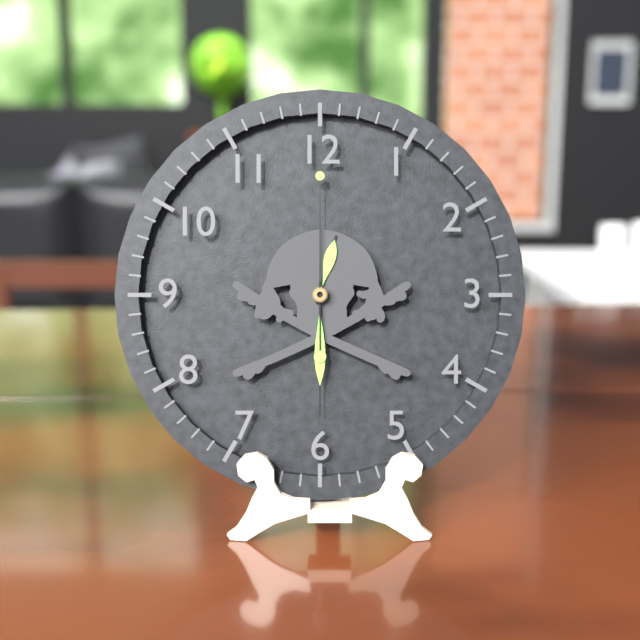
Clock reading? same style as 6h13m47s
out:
12h30m00s
